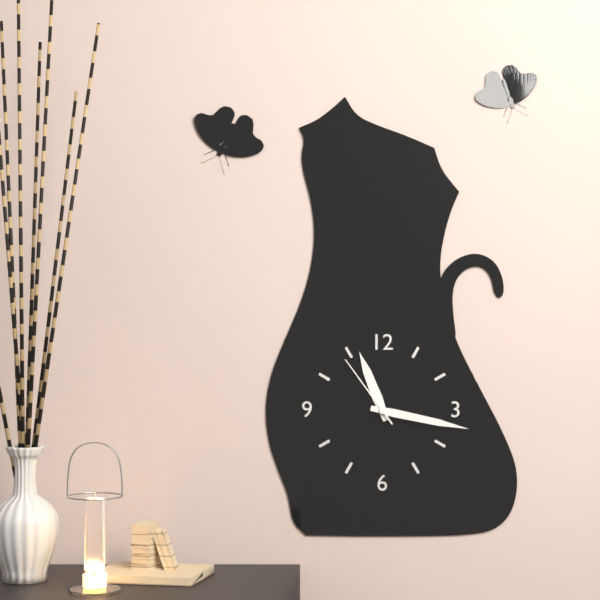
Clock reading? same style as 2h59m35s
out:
11h17m54s
